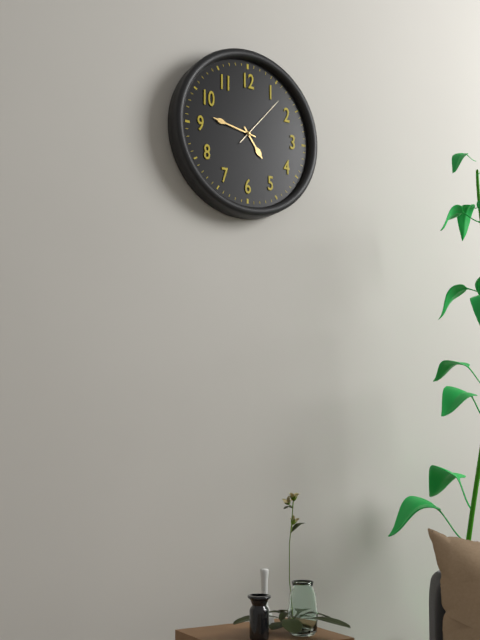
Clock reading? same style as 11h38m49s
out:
4h47m07s
